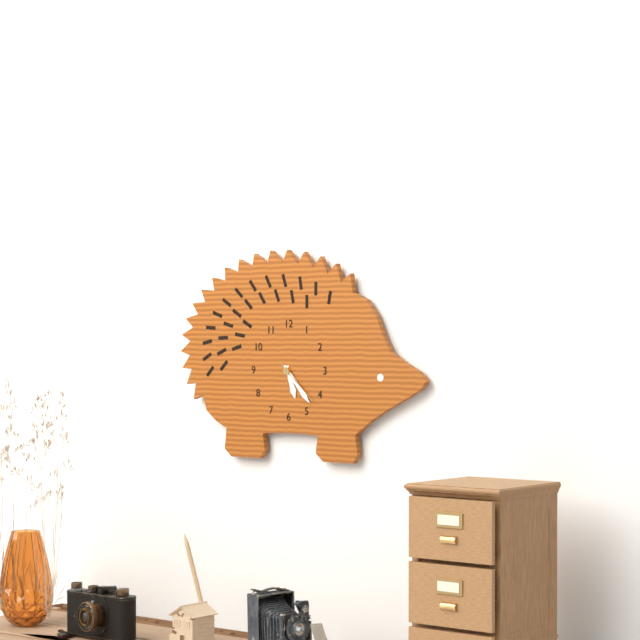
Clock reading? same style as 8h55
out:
5h23
